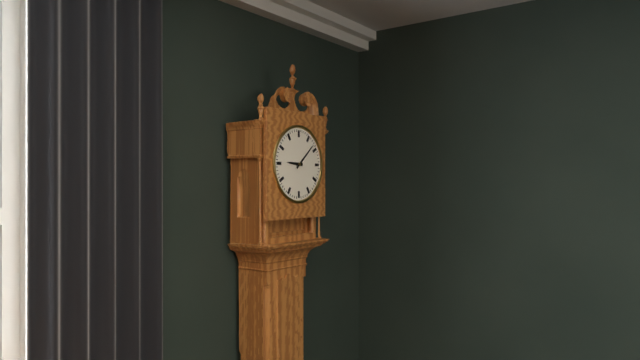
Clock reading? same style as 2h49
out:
9h08
